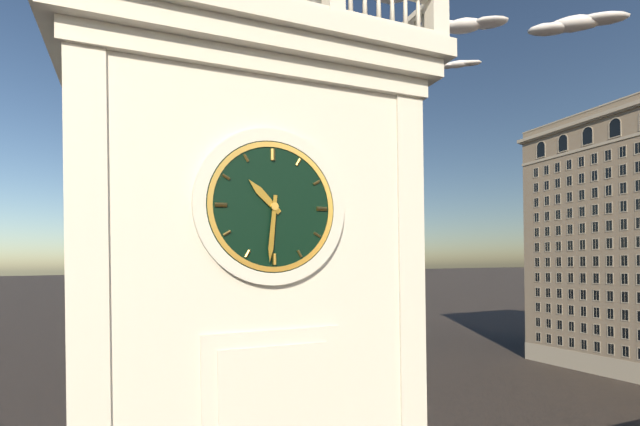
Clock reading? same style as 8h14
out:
10h31
